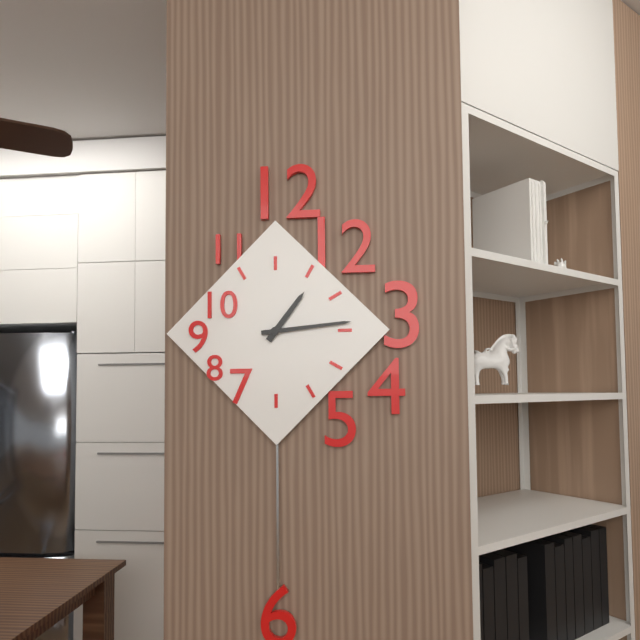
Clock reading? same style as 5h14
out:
1h14
